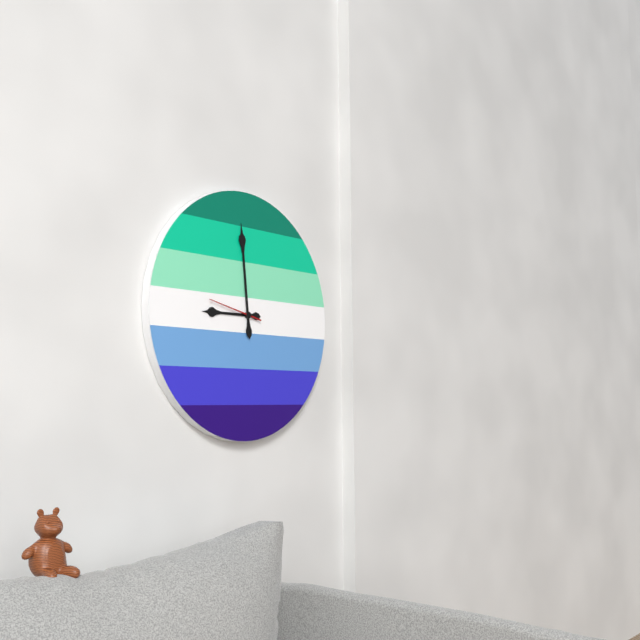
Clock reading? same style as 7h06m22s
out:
8h59m47s
